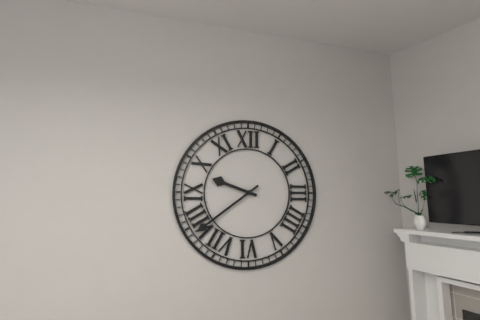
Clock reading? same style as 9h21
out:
9h39
